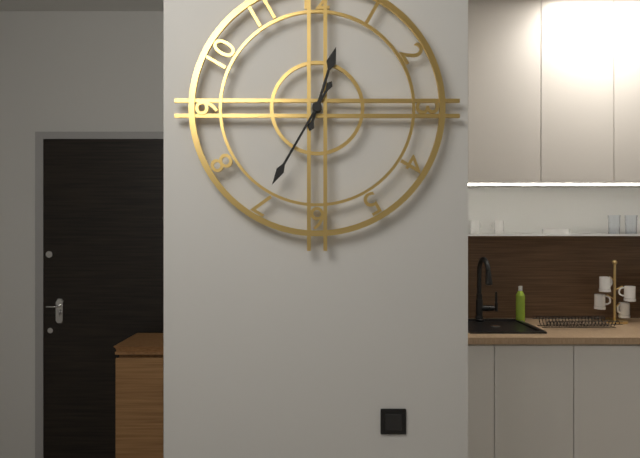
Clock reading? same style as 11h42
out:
12h35
